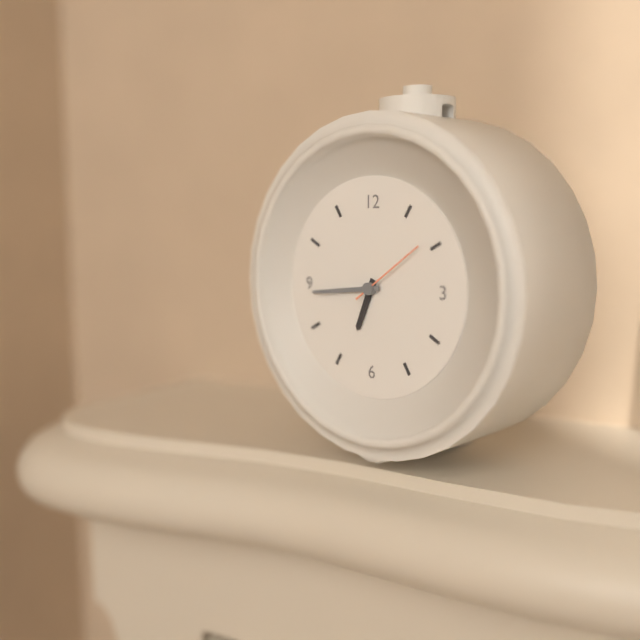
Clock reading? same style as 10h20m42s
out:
6h44m09s
